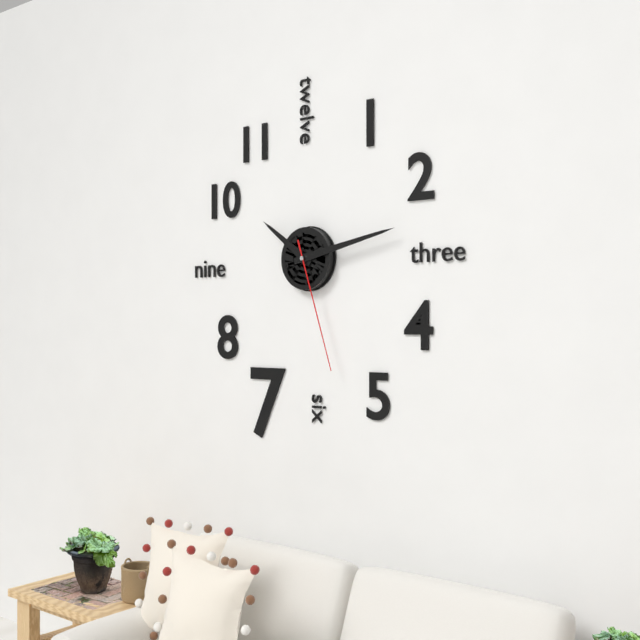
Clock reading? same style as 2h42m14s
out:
10h13m27s
